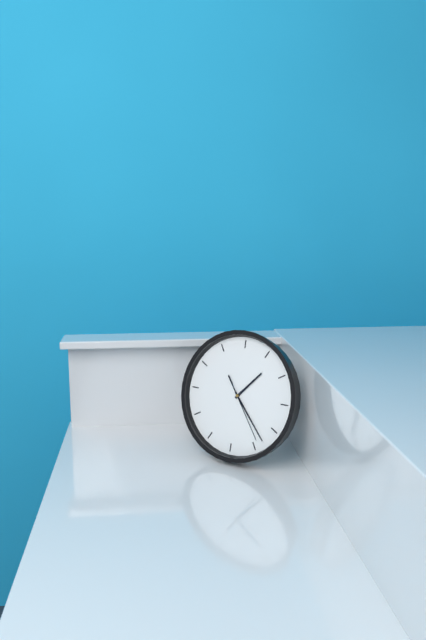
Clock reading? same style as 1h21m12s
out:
1h23m24s
